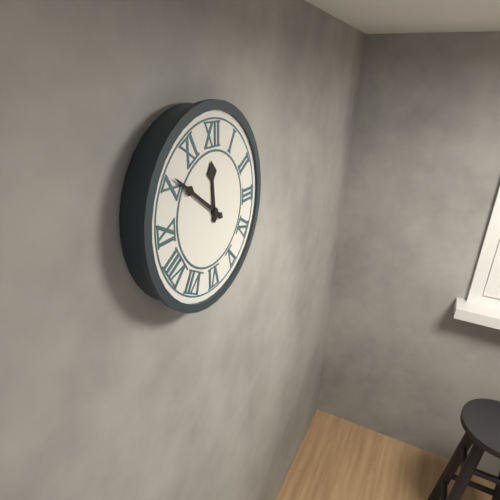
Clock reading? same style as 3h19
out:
11h51
